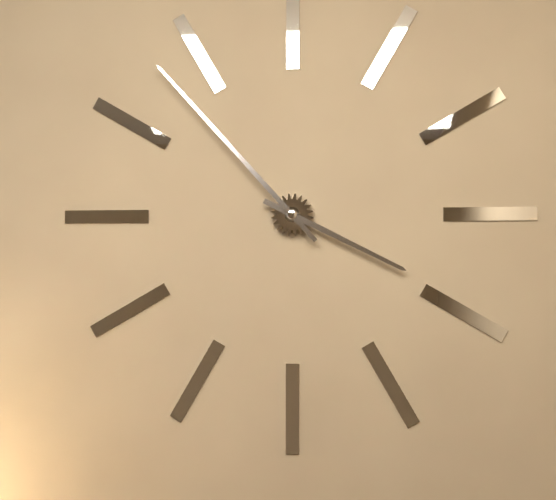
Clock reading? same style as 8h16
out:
3h53
